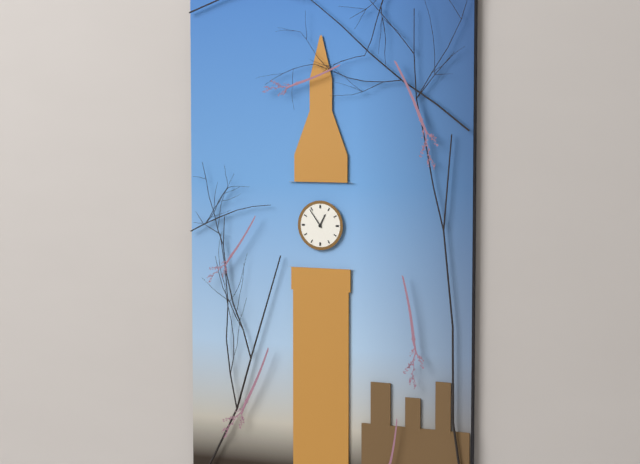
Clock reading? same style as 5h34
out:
12h54
